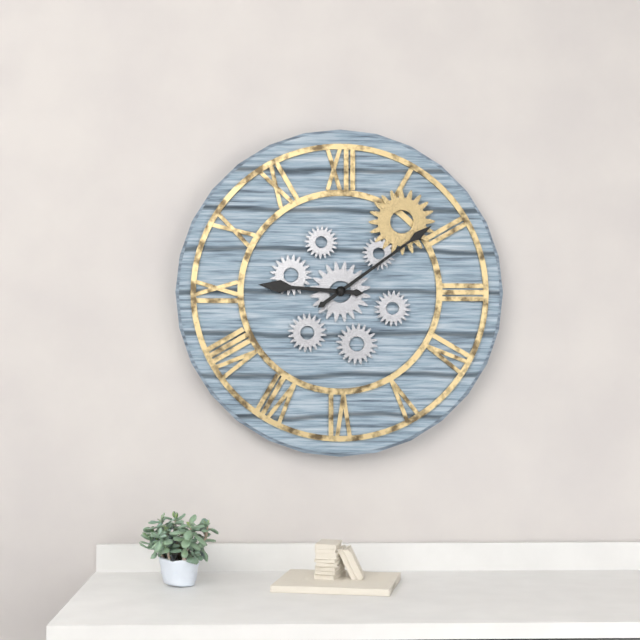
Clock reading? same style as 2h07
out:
9h09
